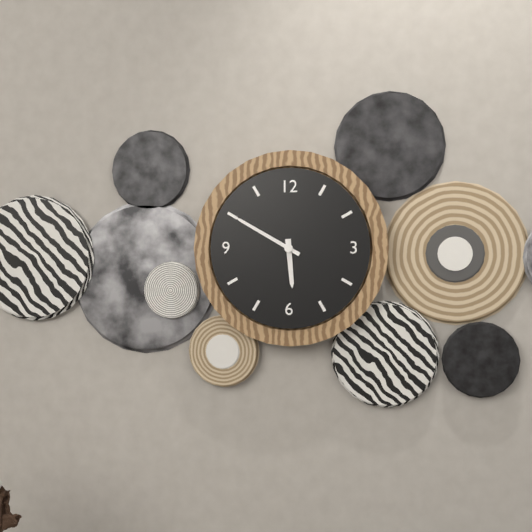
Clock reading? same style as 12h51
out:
5h50
